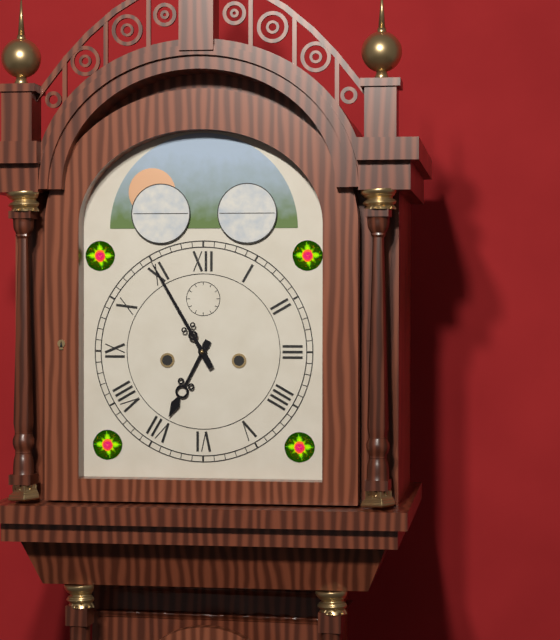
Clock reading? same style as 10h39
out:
6h55
